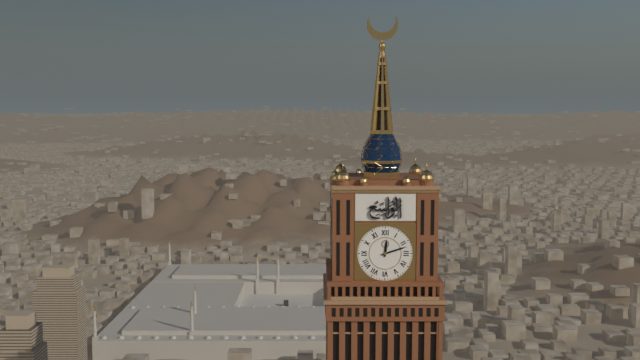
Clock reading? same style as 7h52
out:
12h12
